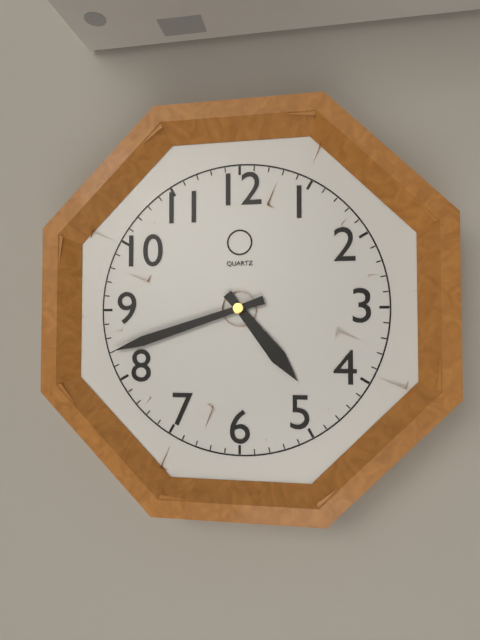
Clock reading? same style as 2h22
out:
4h42
